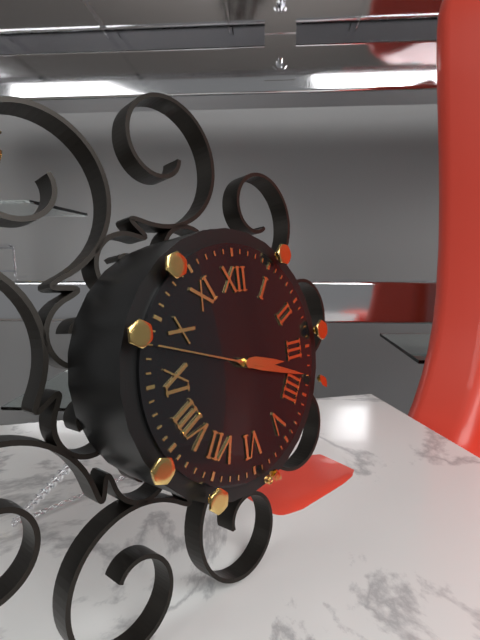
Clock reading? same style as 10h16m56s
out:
3h18m48s
